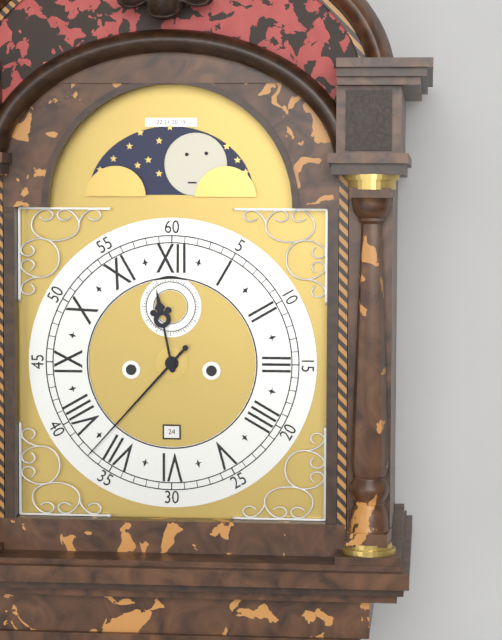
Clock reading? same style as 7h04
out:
11h37
